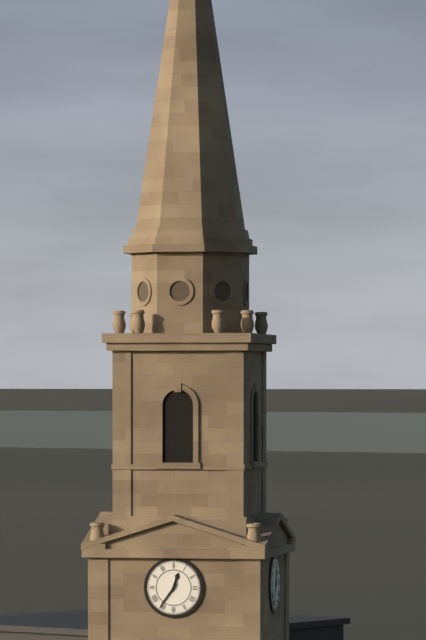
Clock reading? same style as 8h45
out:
12h36
